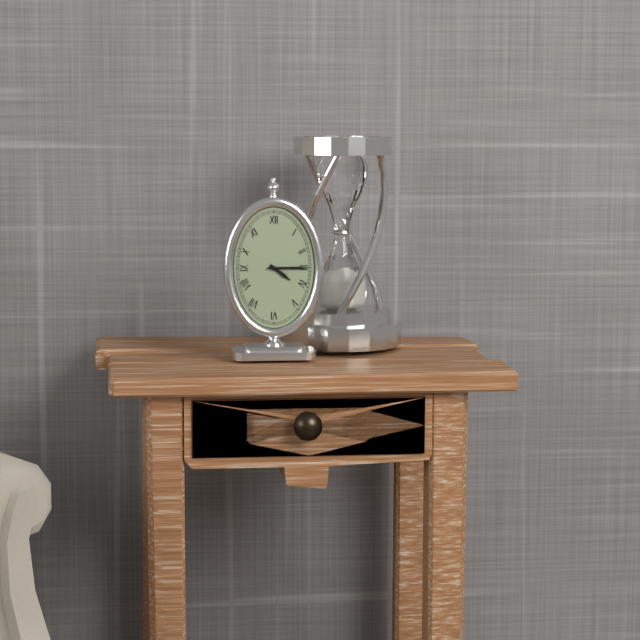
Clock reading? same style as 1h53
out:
4h15
